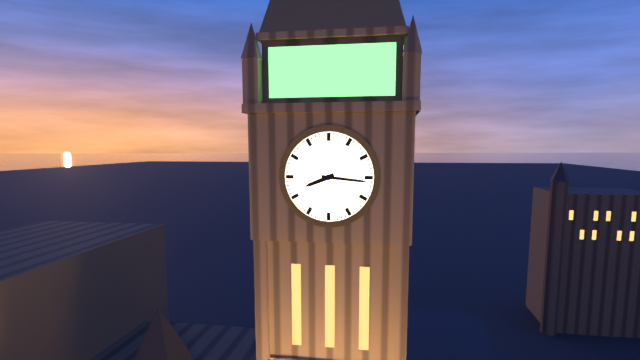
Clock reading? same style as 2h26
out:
8h16
